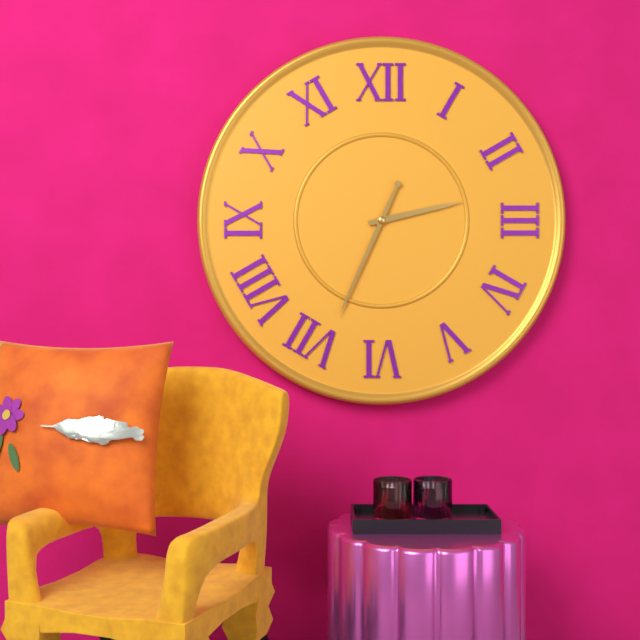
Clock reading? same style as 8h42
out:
2h34
